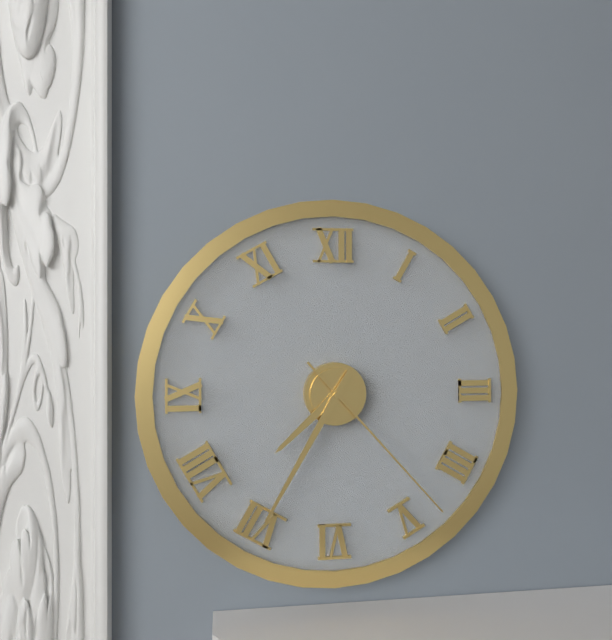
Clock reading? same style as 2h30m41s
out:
7h35m23s
